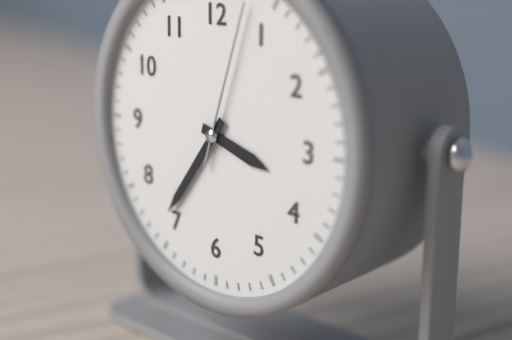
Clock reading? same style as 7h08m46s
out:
3h36m03s
